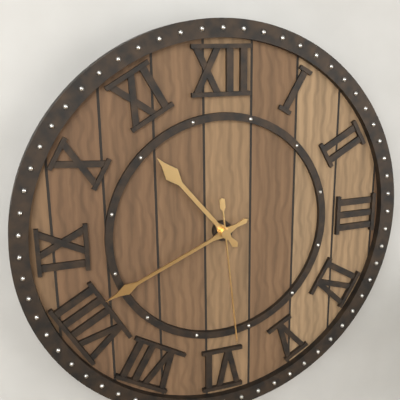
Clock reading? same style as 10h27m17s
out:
10h41m29s
